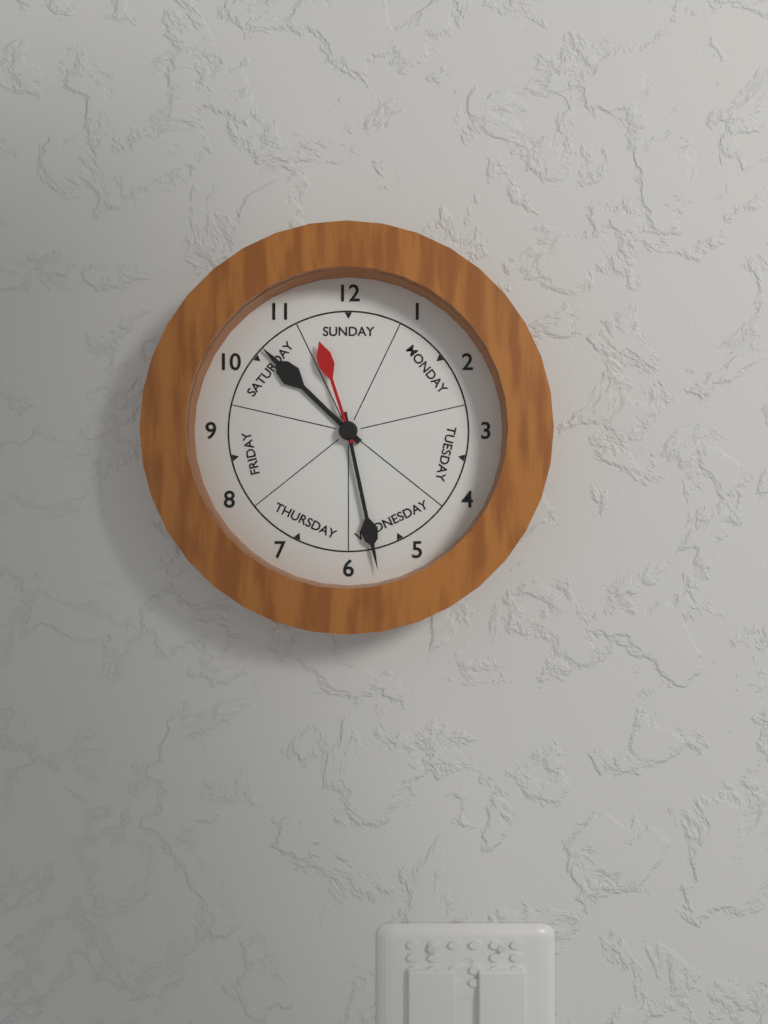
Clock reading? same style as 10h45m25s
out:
10h28m57s
